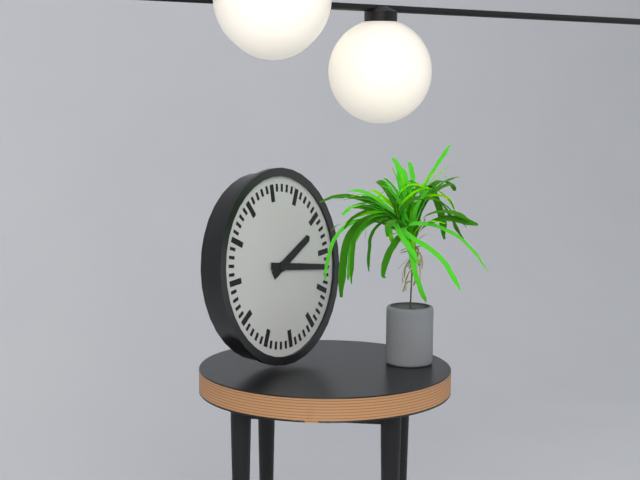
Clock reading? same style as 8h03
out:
2h17
